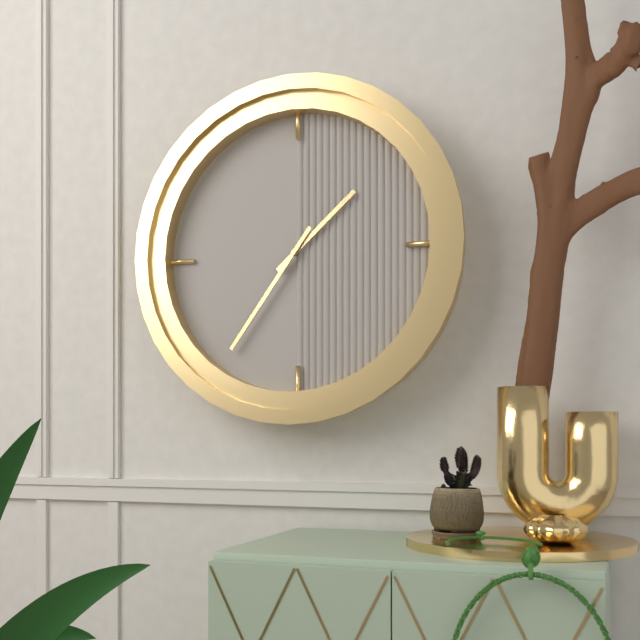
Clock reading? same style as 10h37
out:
1h36
